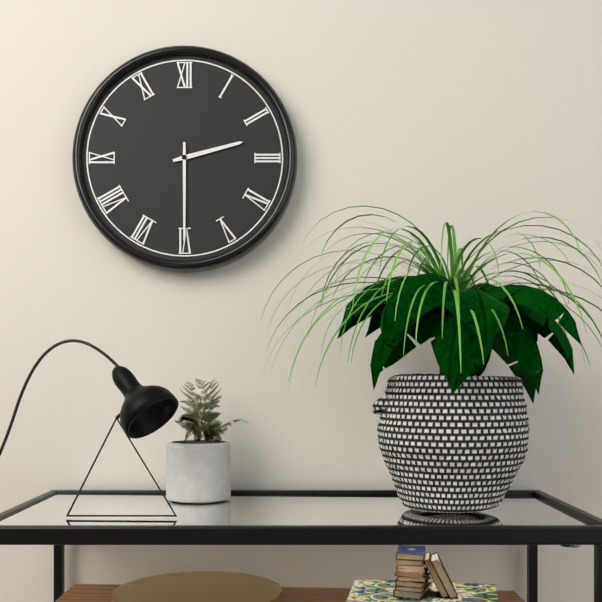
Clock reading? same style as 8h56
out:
2h30
